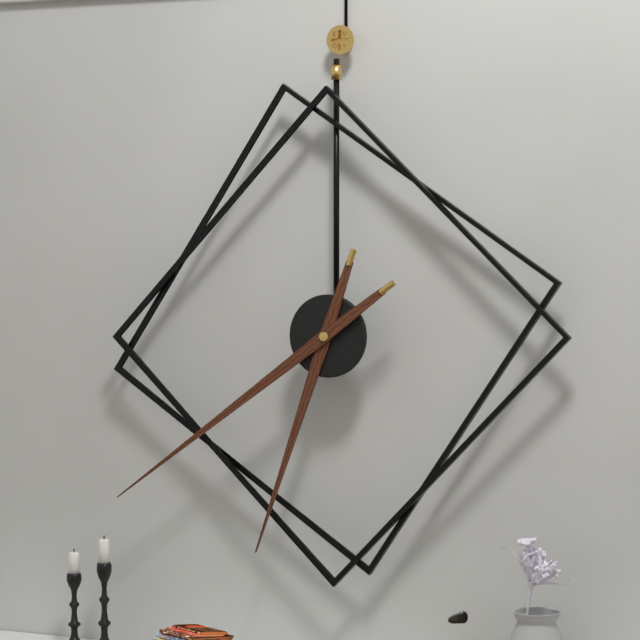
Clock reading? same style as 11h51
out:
6h39
